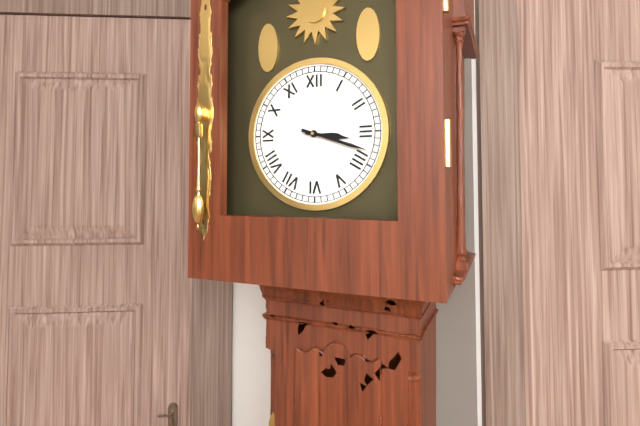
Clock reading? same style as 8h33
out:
3h18
